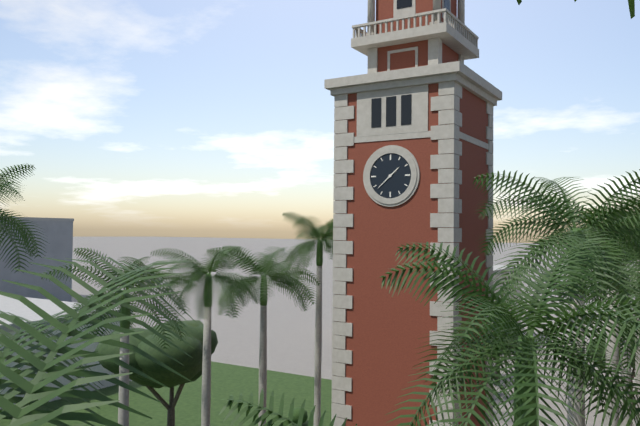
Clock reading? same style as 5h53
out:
1h38
